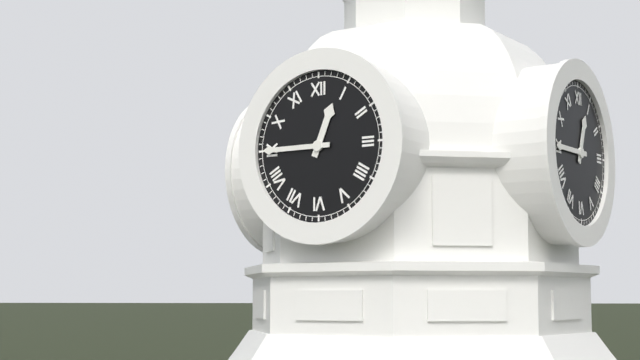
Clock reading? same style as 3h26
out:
12h45
